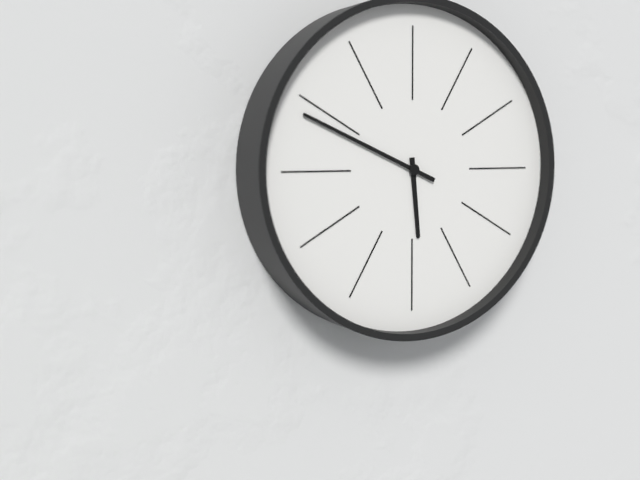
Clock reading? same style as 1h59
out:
5h49
